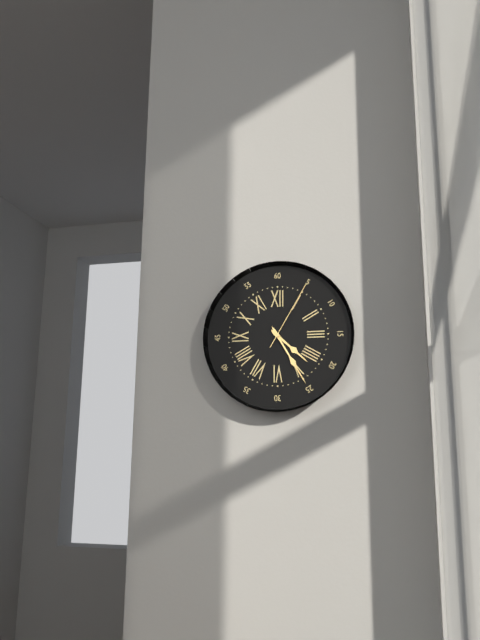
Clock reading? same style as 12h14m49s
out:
4h25m05s
